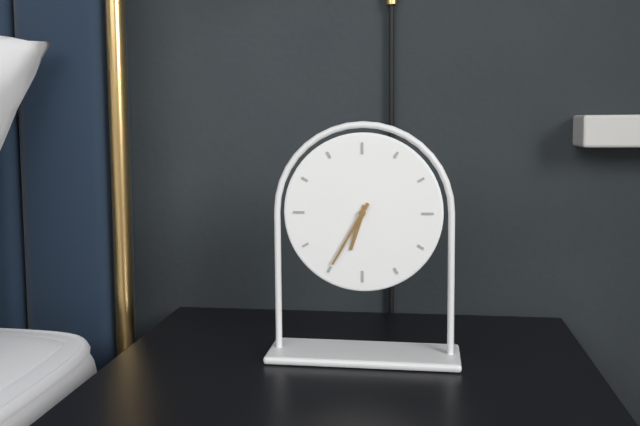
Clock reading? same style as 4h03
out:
6h35
